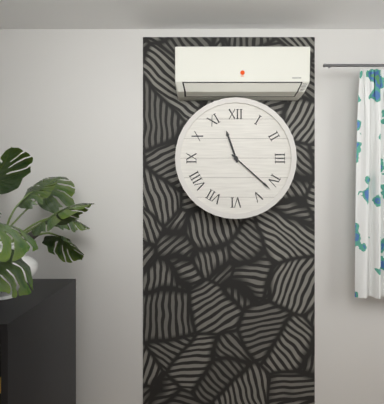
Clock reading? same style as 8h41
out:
11h22
